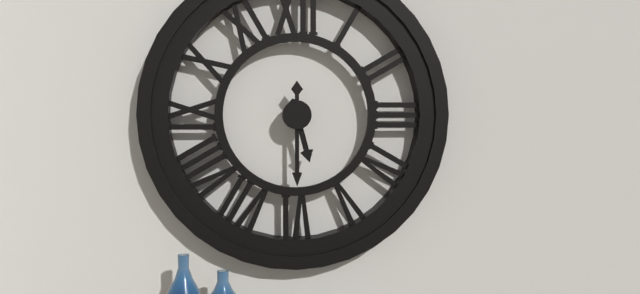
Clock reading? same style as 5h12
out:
5h30
